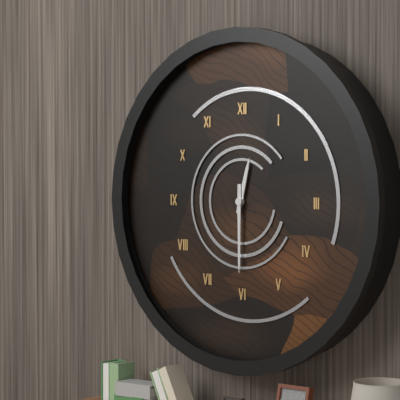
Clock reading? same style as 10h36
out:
12h30
